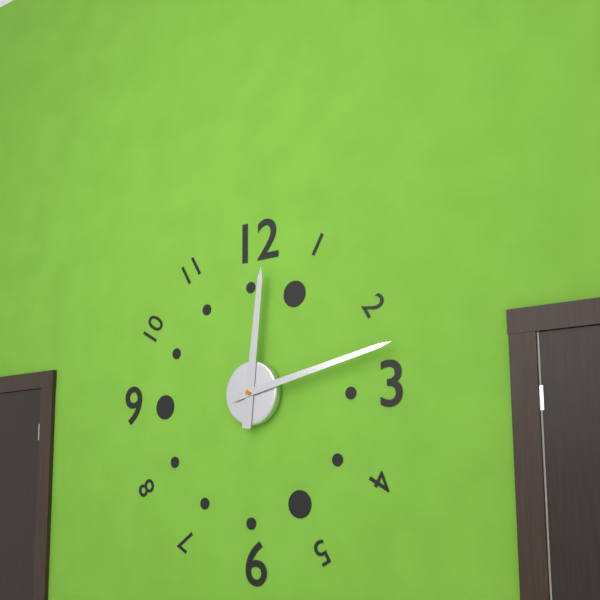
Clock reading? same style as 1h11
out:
12h13
